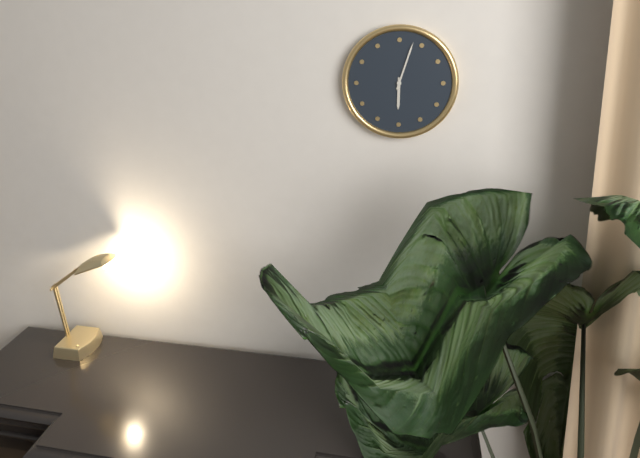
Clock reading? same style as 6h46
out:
6h03
